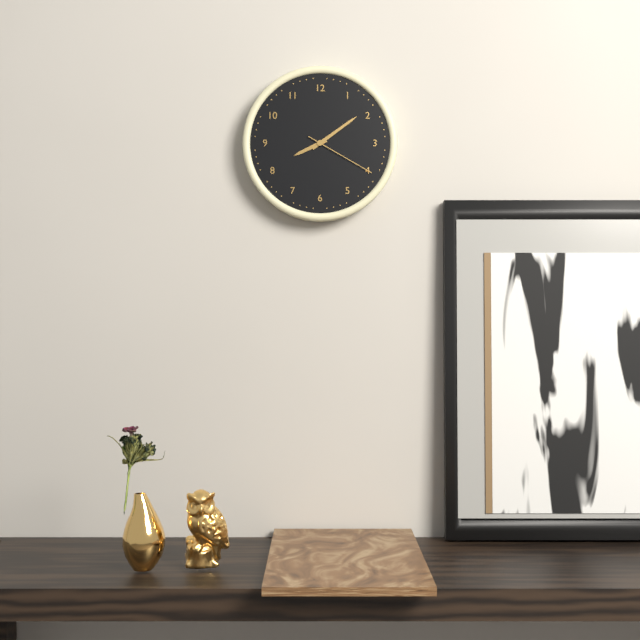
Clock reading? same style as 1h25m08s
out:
8h09m20s
